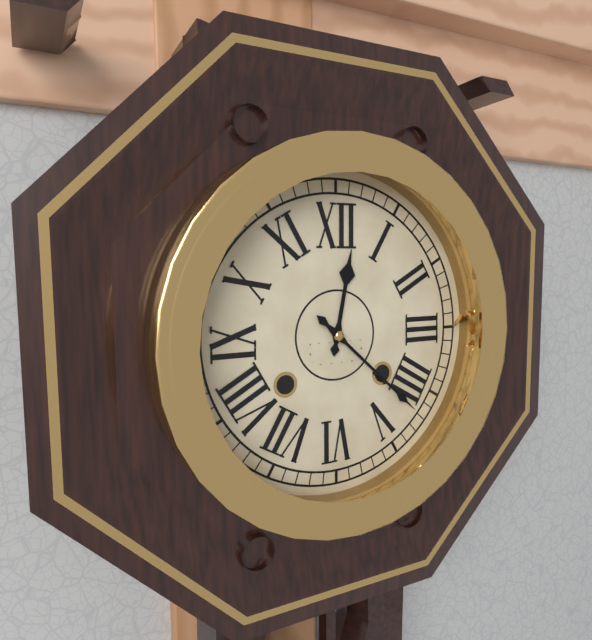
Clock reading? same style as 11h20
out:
12h22
